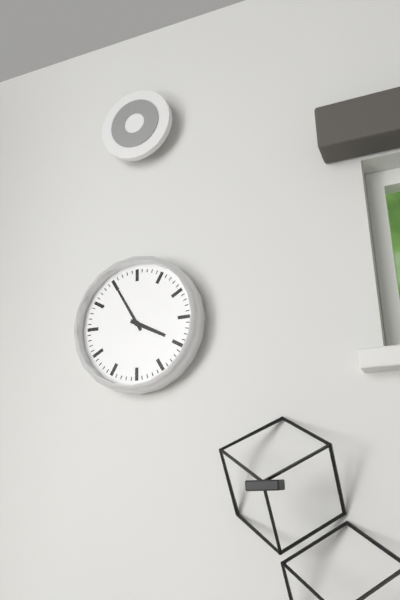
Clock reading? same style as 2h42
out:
3h55
